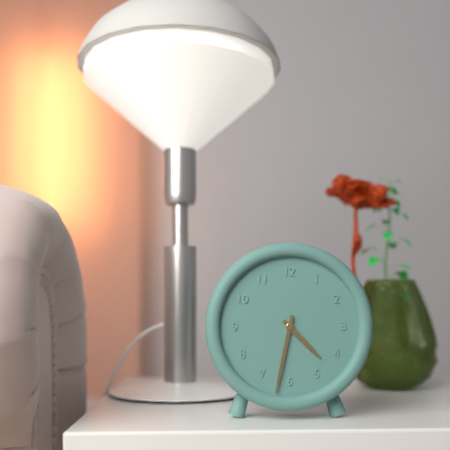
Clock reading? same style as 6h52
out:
4h32
